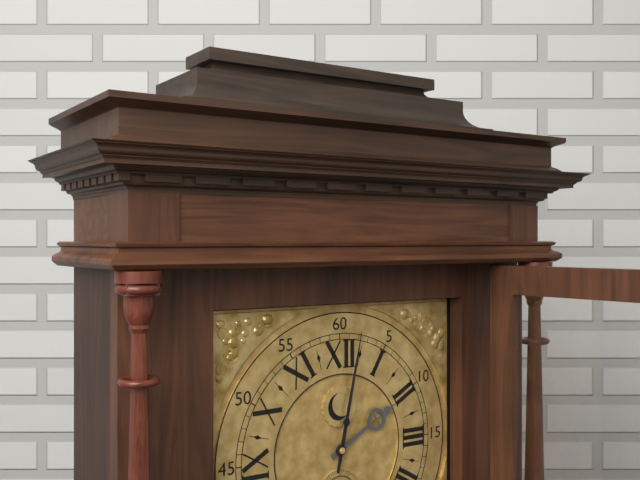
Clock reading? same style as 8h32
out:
2h02
